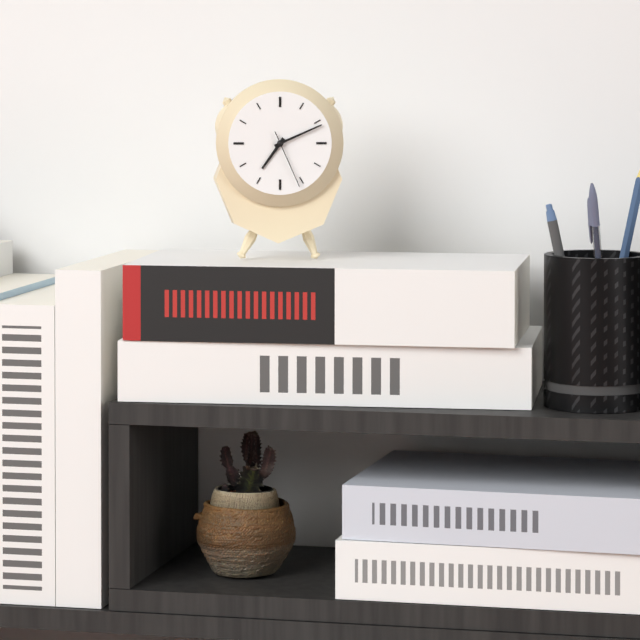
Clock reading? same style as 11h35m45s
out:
7h11m26s
